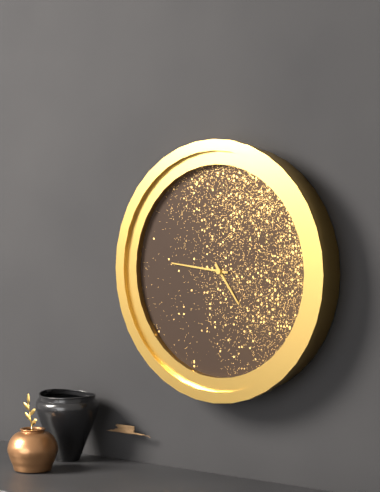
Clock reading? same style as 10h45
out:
4h46
